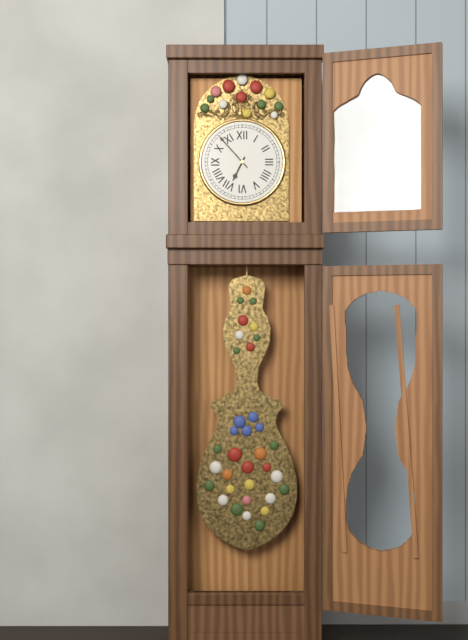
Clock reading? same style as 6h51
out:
6h53
